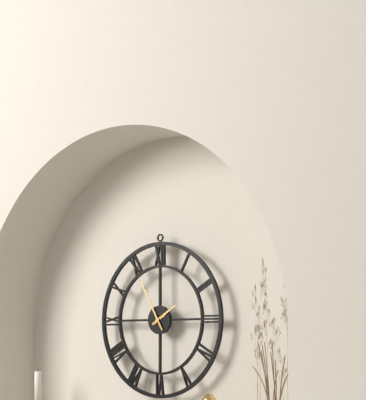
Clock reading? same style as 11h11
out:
1h55
